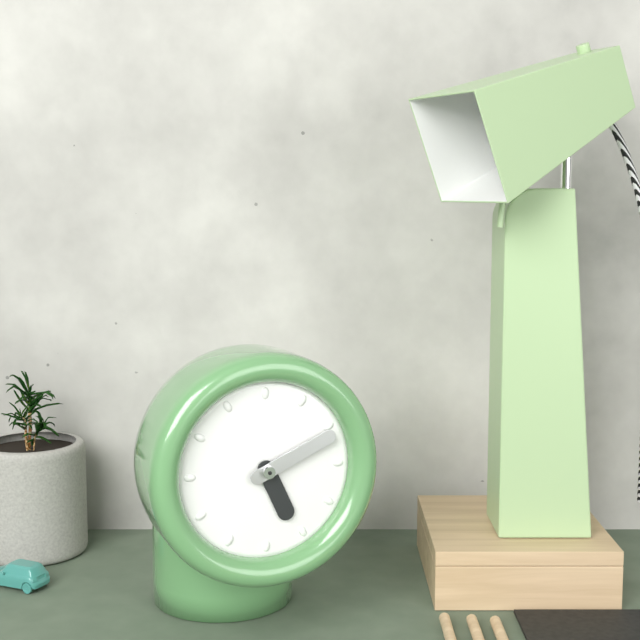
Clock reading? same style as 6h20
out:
5h11
